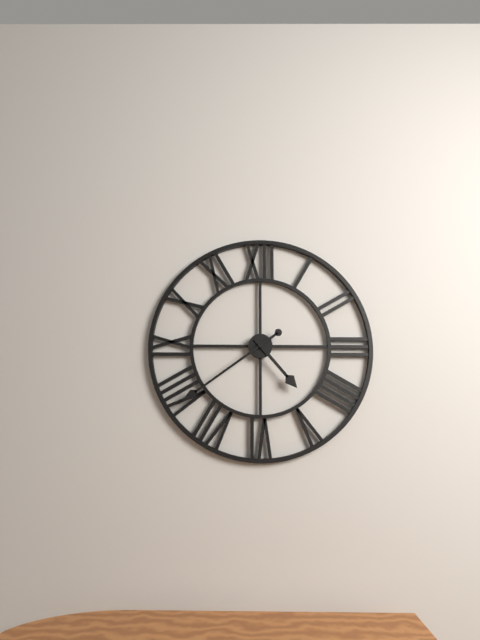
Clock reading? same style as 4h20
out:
4h39
